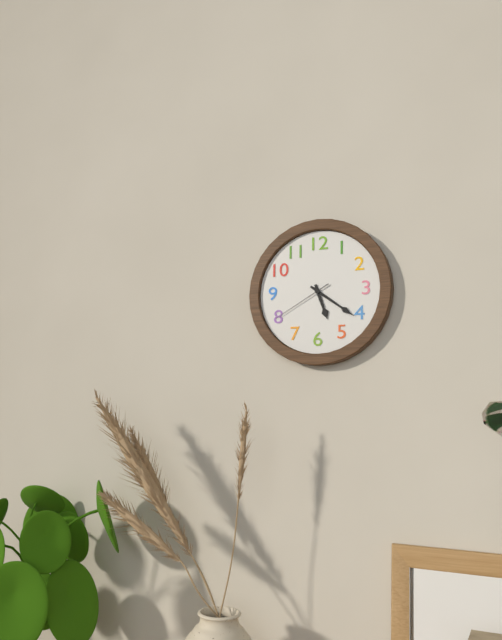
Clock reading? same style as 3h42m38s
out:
5h21m40s
